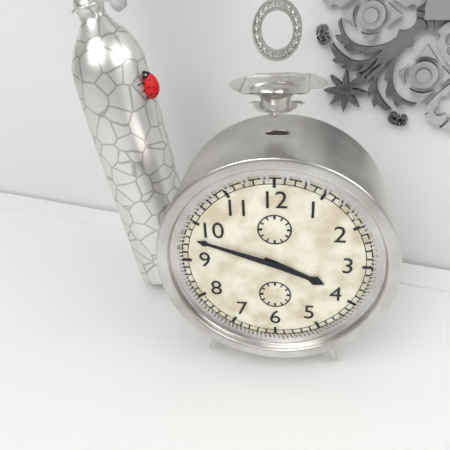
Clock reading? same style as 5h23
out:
3h48
